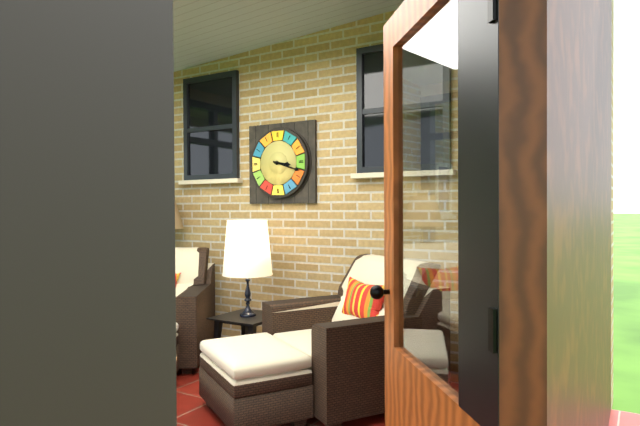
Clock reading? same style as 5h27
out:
3h18
